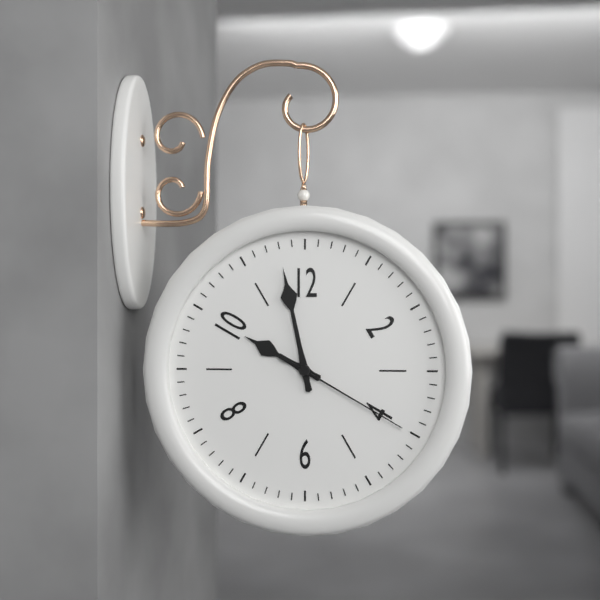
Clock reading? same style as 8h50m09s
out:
9h58m20s
